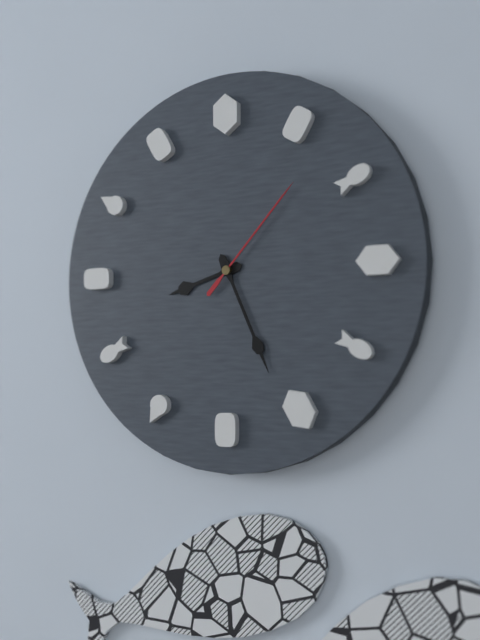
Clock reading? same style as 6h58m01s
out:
8h26m07s
